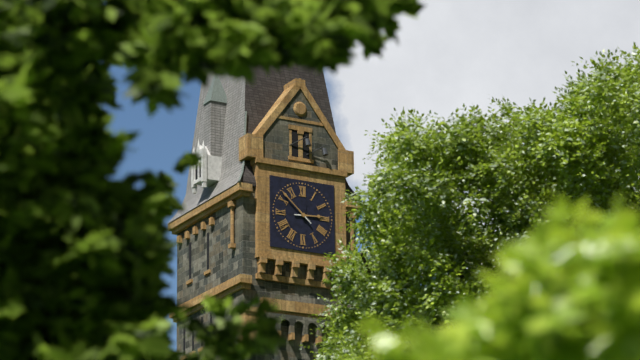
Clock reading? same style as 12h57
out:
2h52
